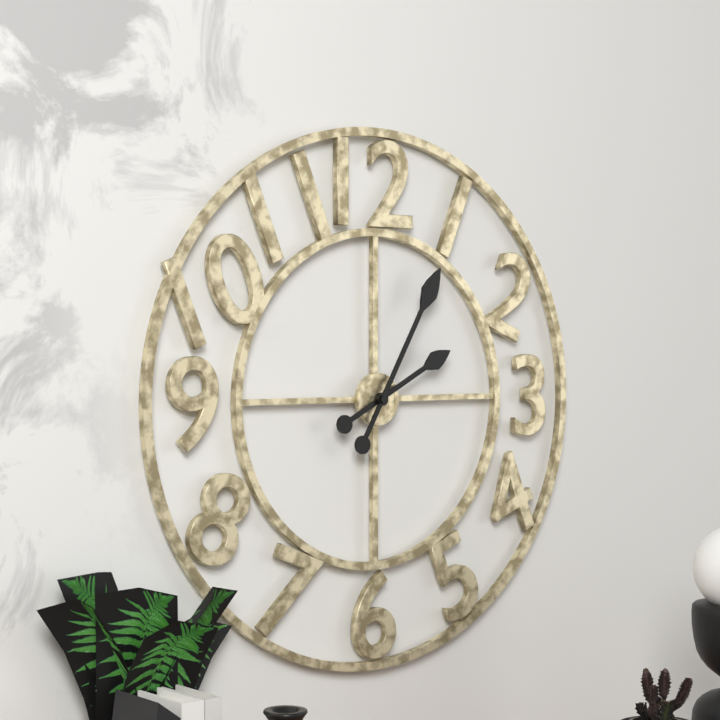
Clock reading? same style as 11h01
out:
2h05
